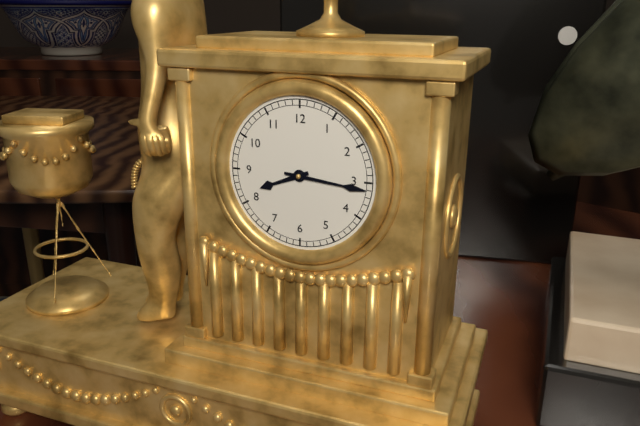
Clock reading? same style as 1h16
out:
8h16
